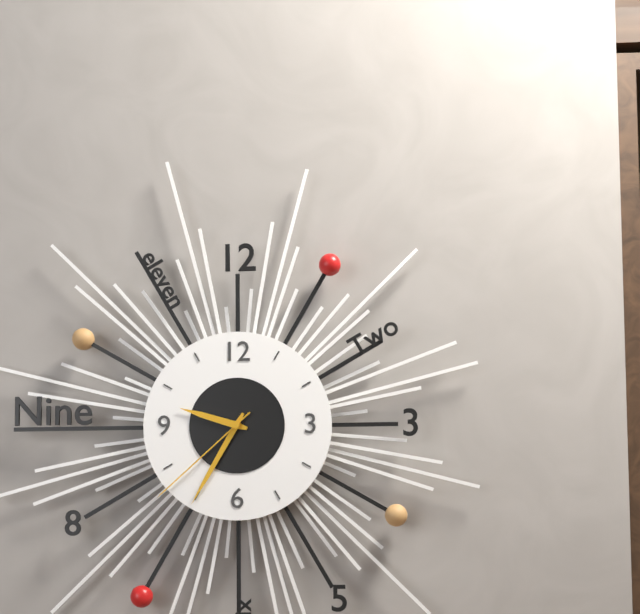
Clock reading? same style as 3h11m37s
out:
9h35m38s
